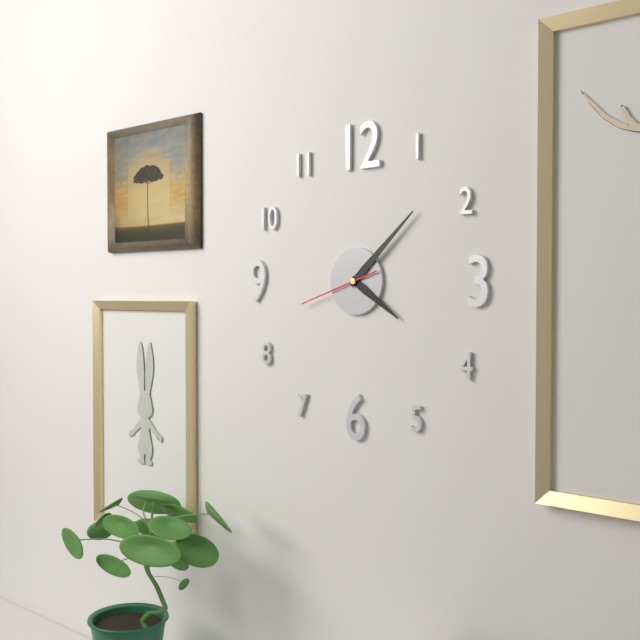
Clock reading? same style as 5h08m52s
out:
4h08m42s
